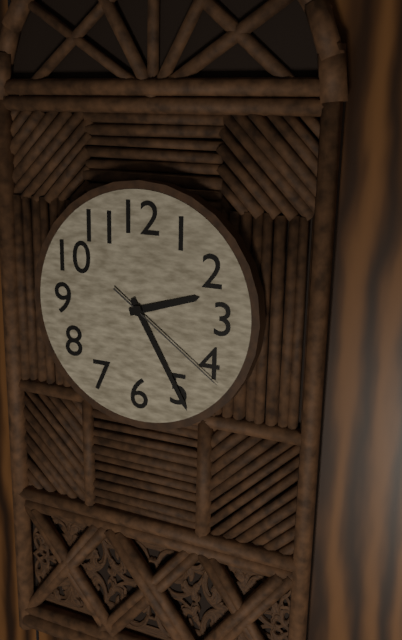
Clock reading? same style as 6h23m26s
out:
2h25m21s
